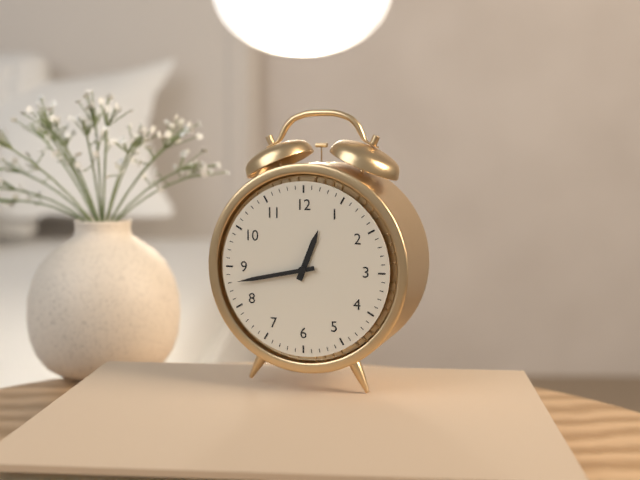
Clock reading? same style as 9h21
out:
12h43
